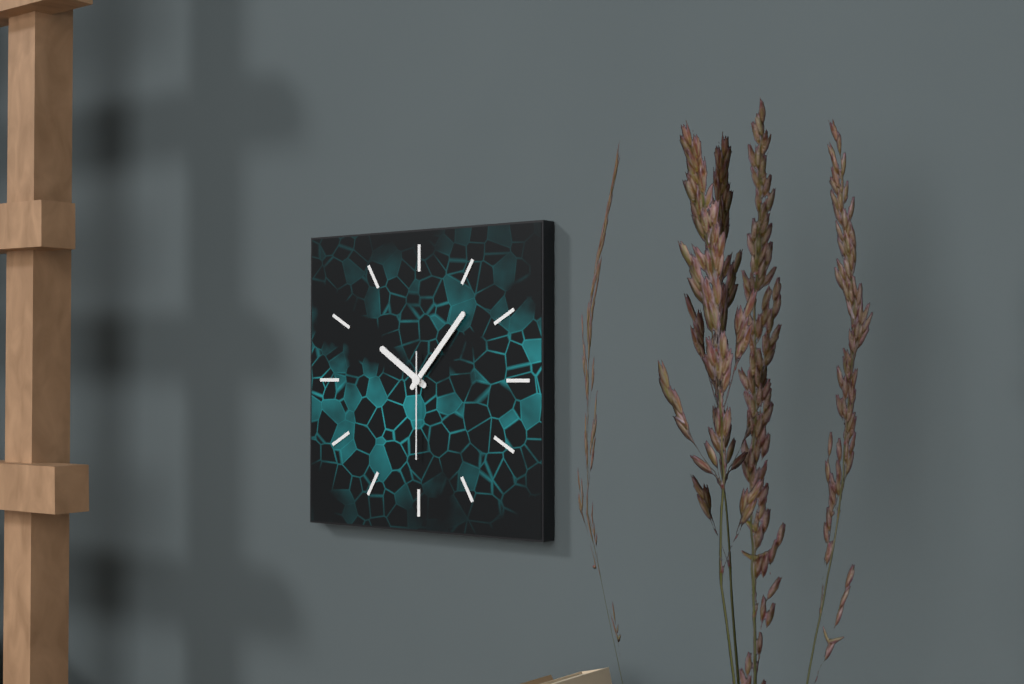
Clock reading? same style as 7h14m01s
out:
10h07m30s
